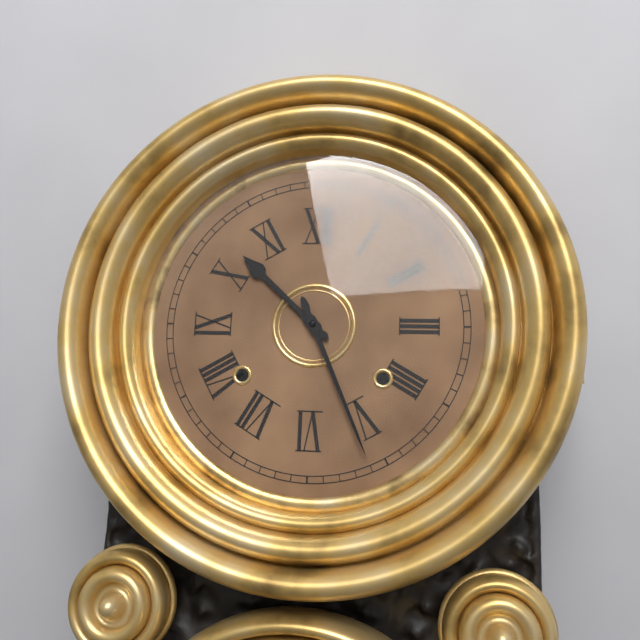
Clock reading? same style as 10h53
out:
10h26
